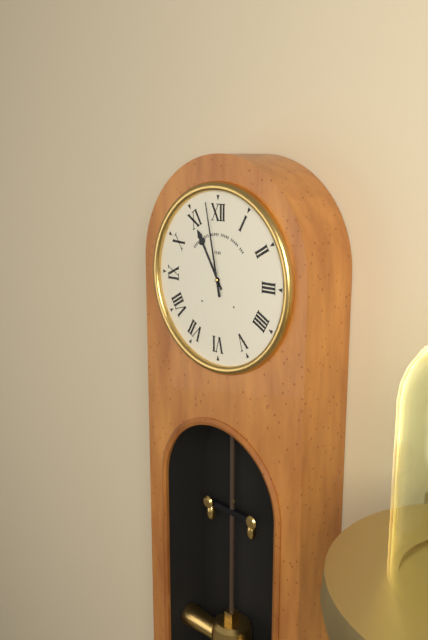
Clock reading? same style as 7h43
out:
10h58
